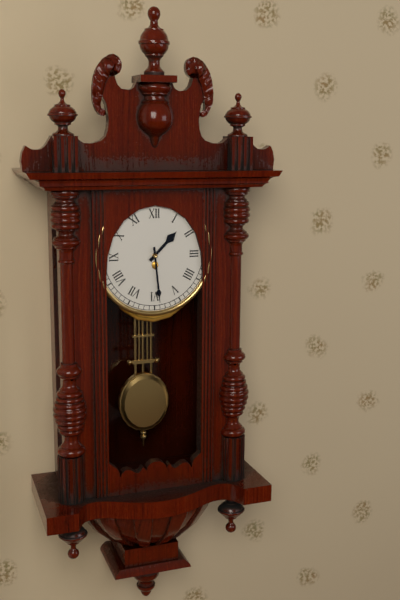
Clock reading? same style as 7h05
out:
1h29
